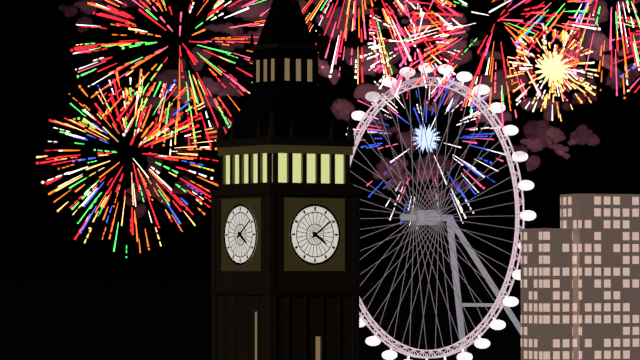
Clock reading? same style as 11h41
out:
4h09
